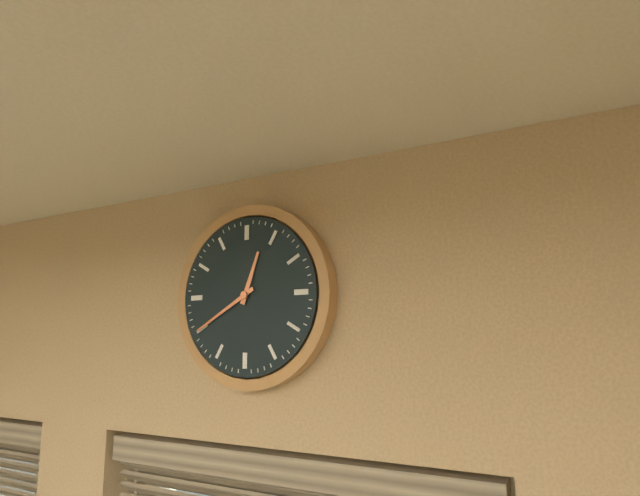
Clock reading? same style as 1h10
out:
12h40
